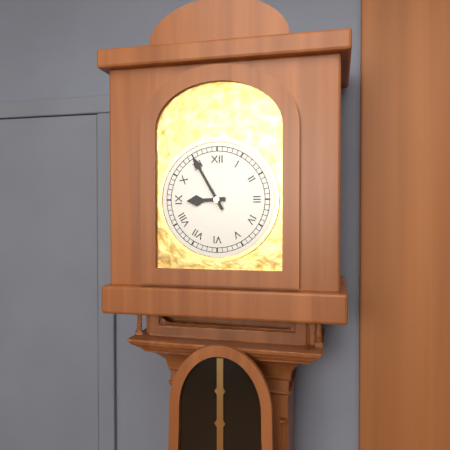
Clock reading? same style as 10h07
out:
8h55
